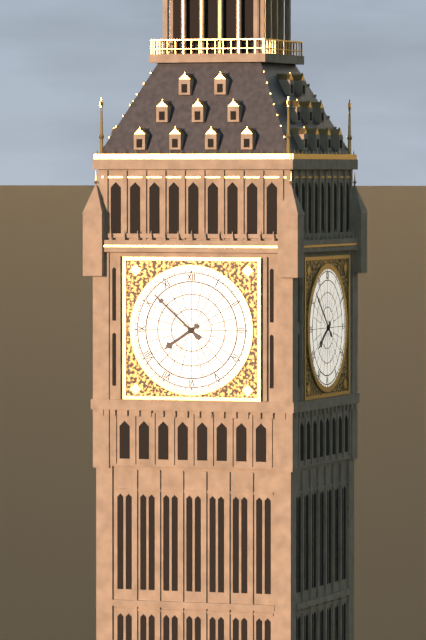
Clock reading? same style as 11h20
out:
7h52
